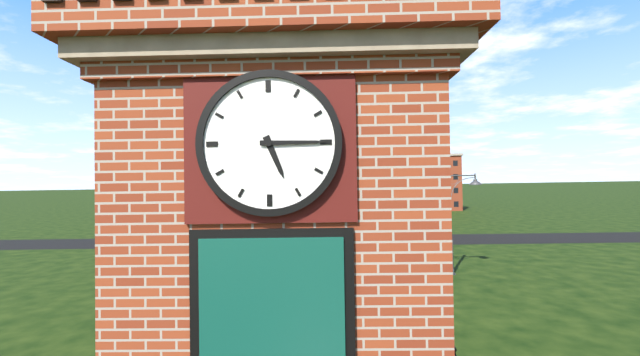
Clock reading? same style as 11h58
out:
5h15
